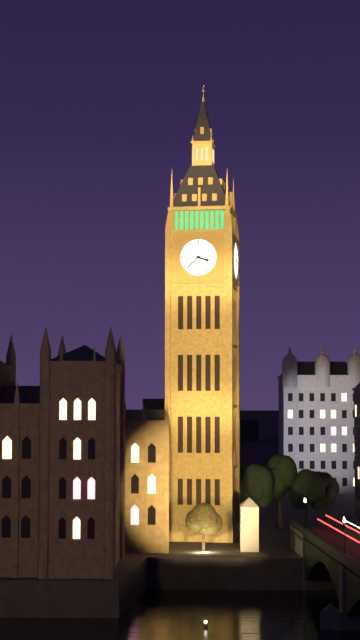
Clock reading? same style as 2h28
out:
3h38
